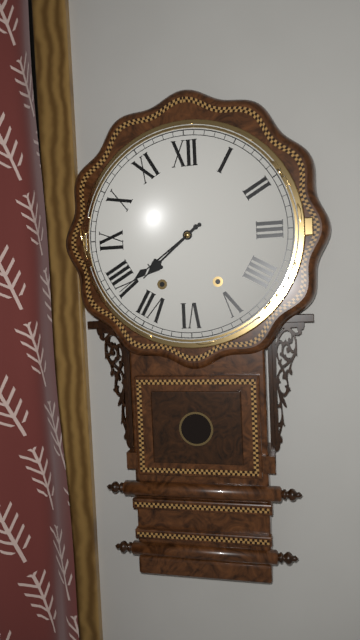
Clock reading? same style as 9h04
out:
7h39
